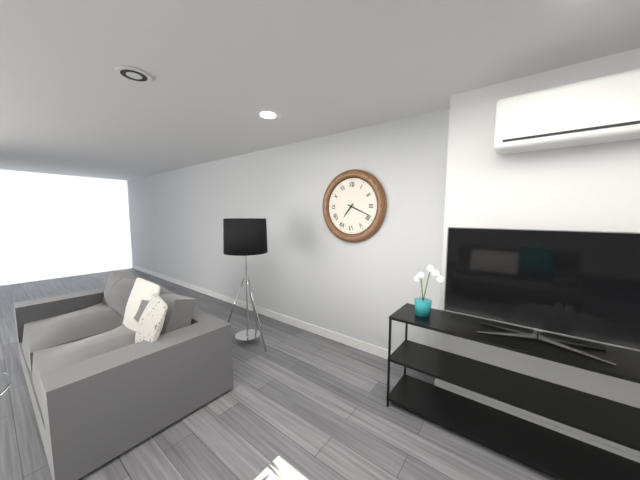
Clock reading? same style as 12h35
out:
7h19
